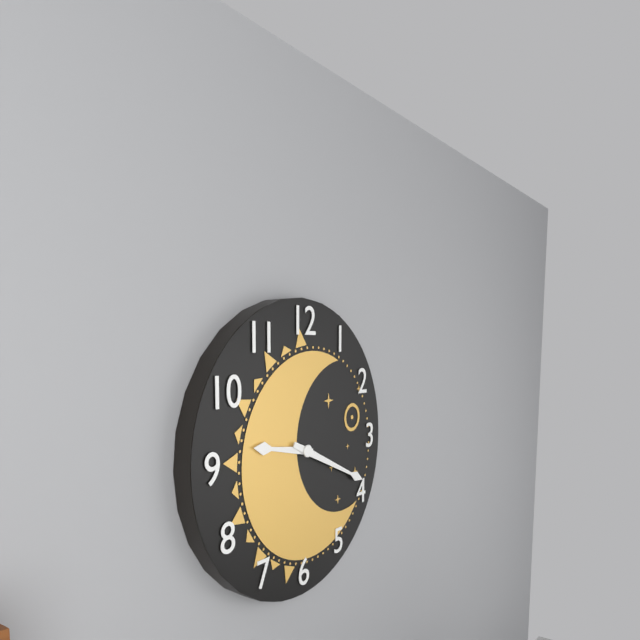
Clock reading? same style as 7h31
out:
9h19
